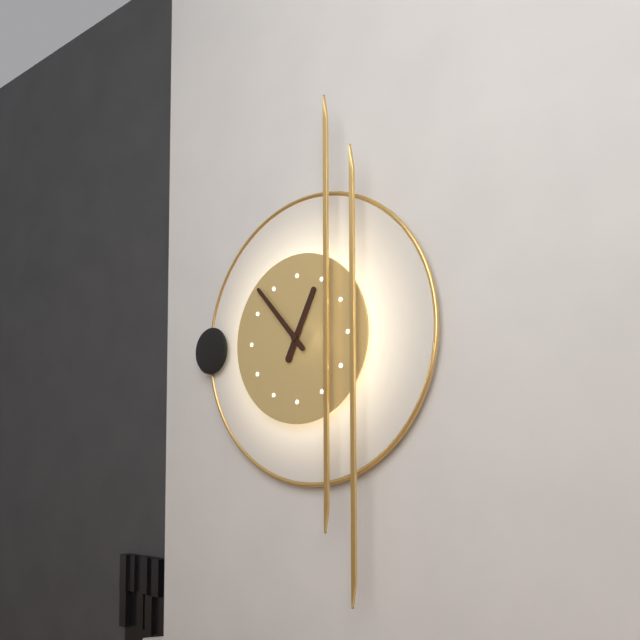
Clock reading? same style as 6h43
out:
12h53
